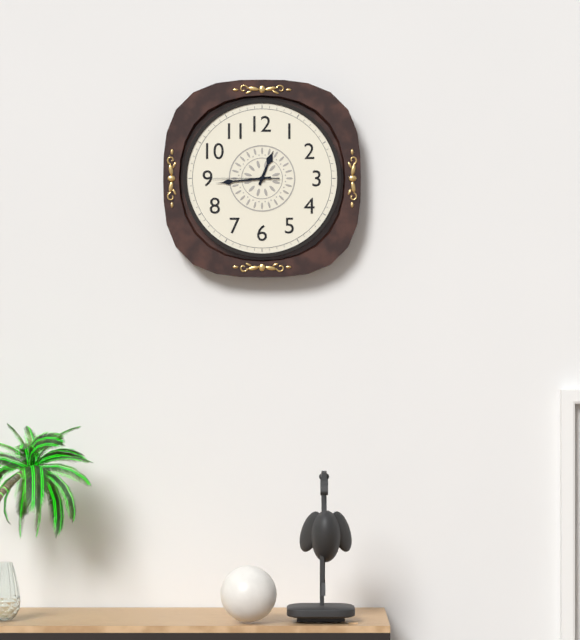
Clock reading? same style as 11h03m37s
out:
12h44m45s
